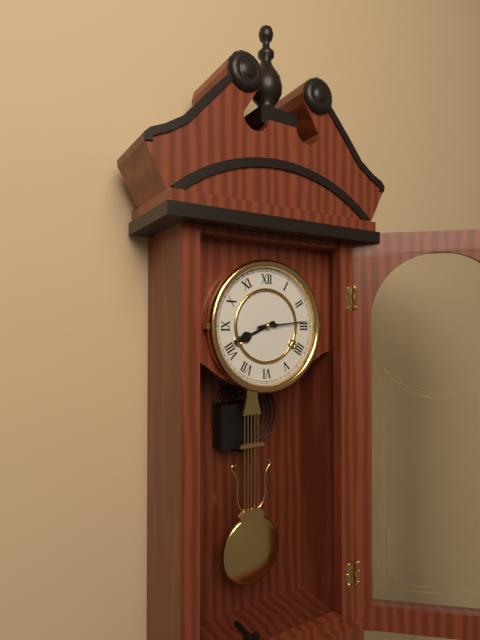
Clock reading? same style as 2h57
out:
8h14
